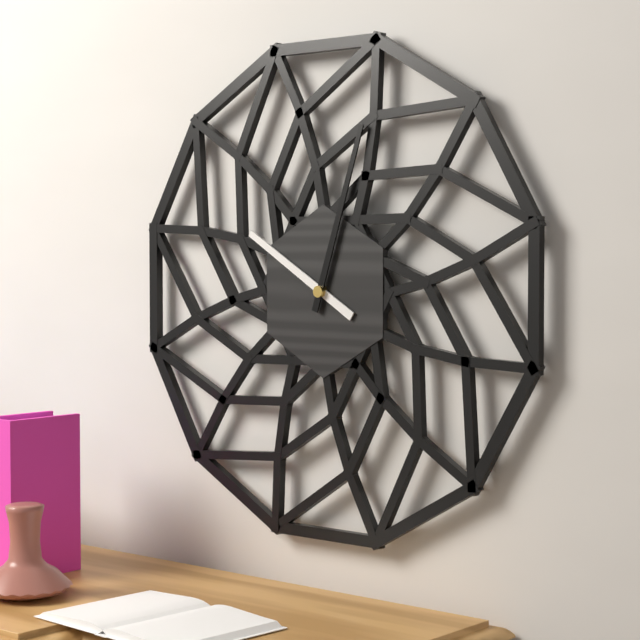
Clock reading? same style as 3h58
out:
10h03
